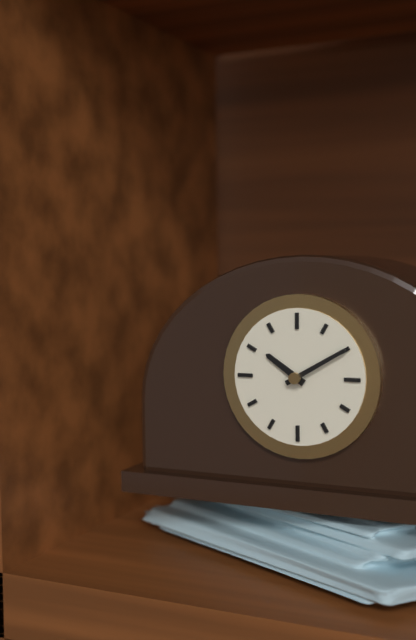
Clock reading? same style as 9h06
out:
10h10
